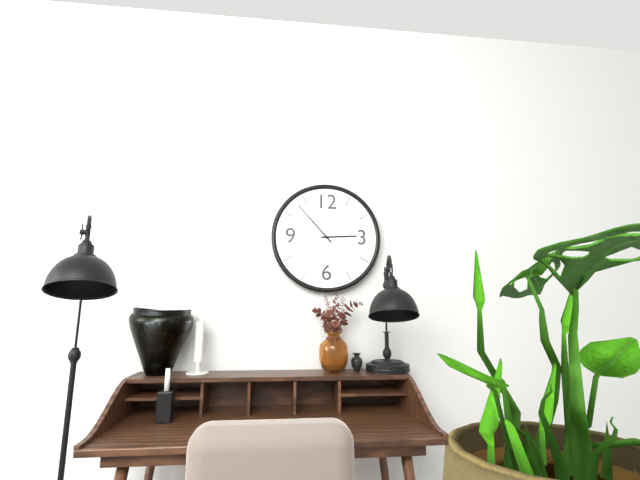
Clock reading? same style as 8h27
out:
2h53
